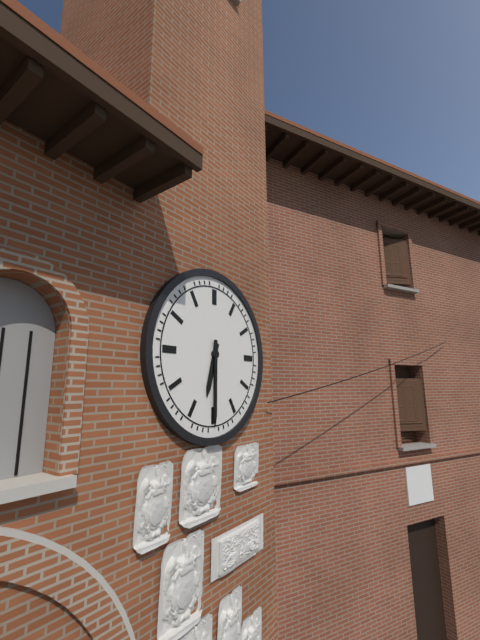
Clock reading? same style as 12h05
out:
6h30
